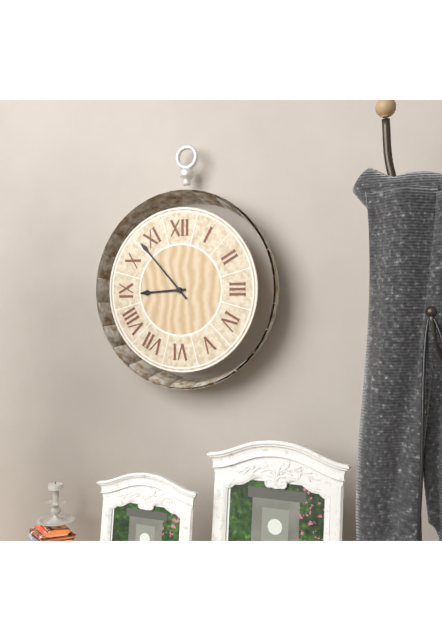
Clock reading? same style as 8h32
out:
8h53
